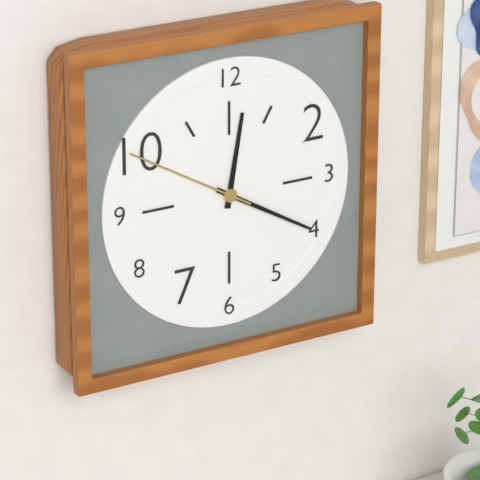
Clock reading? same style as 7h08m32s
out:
12h20m50s
